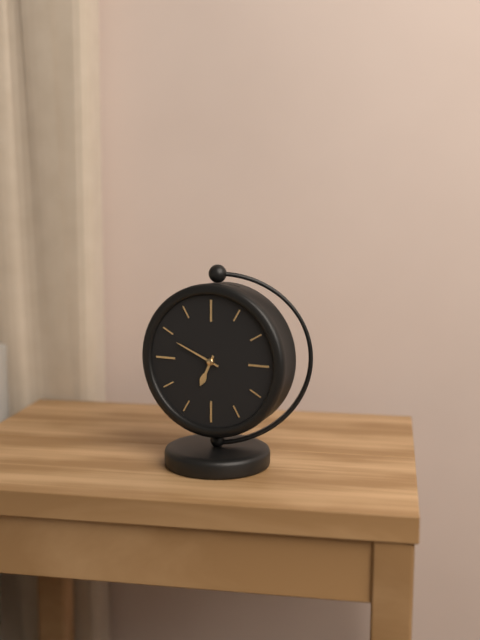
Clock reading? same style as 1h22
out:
6h49
